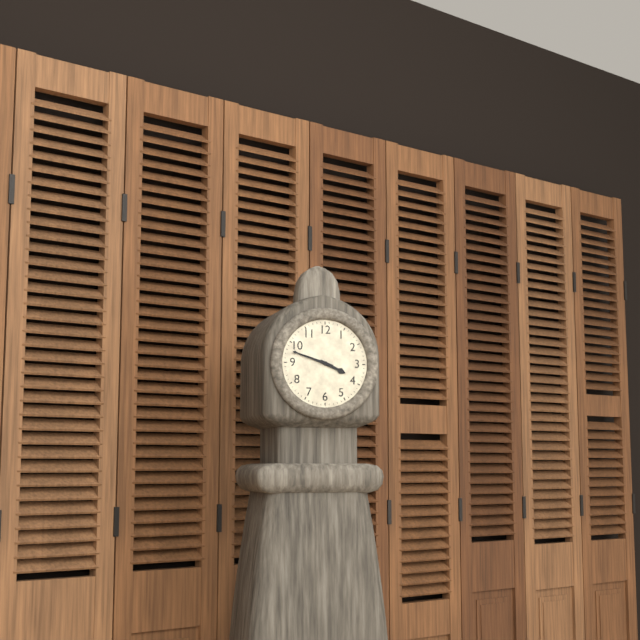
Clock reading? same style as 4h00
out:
3h48
